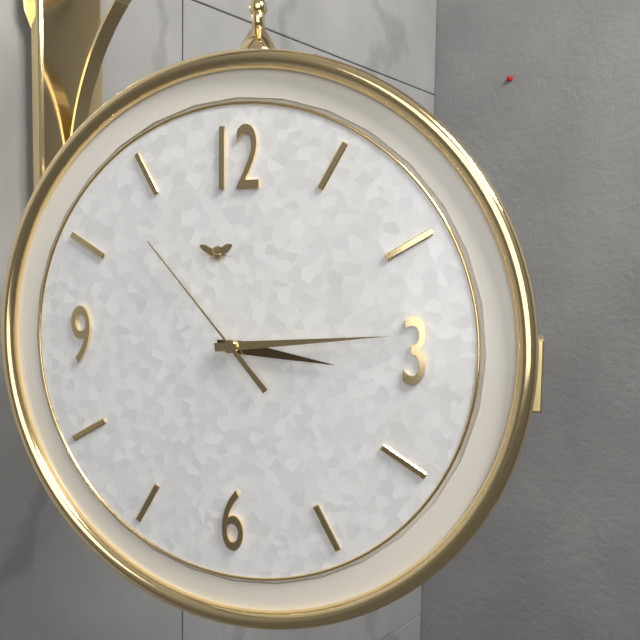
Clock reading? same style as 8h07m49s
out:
3h14m53s
